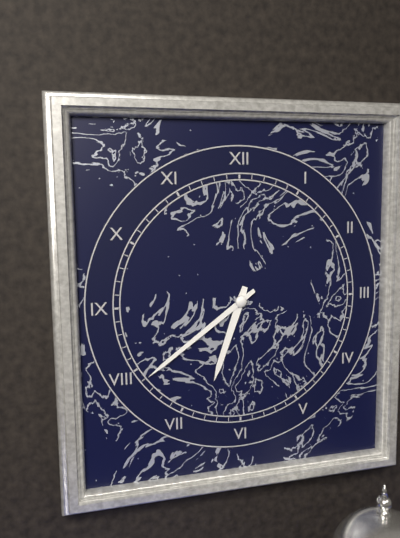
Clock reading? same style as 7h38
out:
6h39
